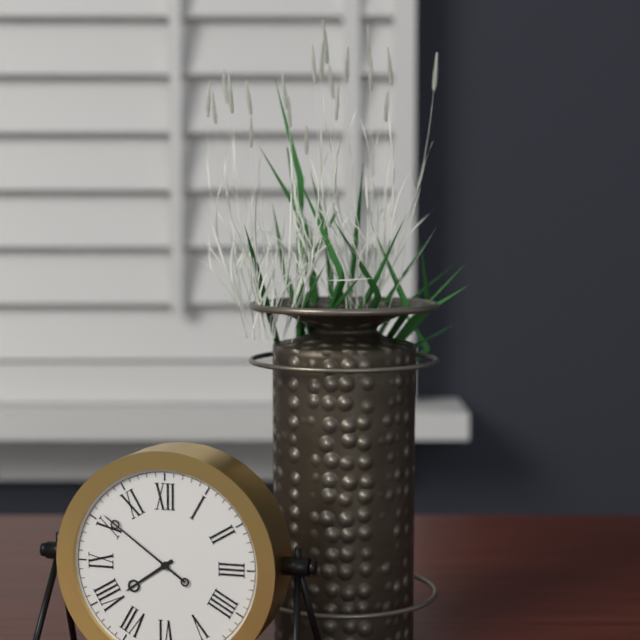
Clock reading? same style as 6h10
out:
7h51
